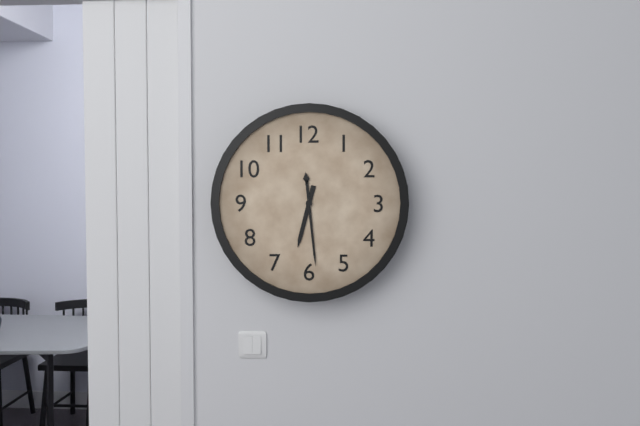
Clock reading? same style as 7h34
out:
6h29
